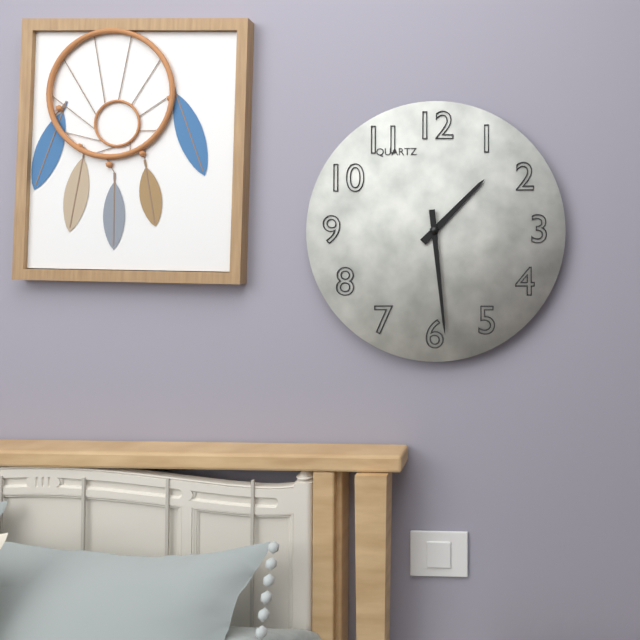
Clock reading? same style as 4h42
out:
1h29
